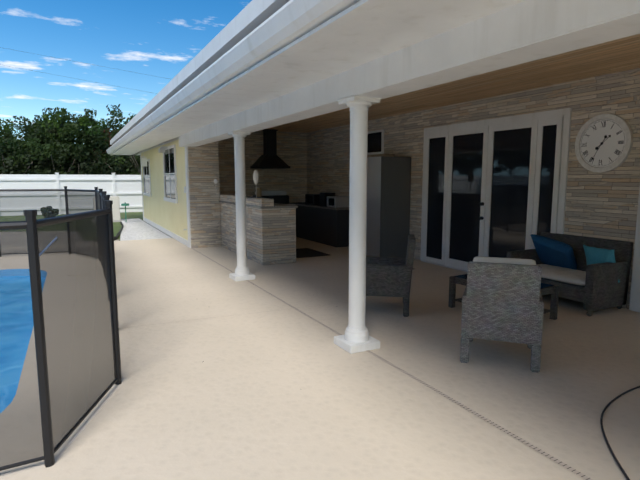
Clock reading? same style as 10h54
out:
1h35
